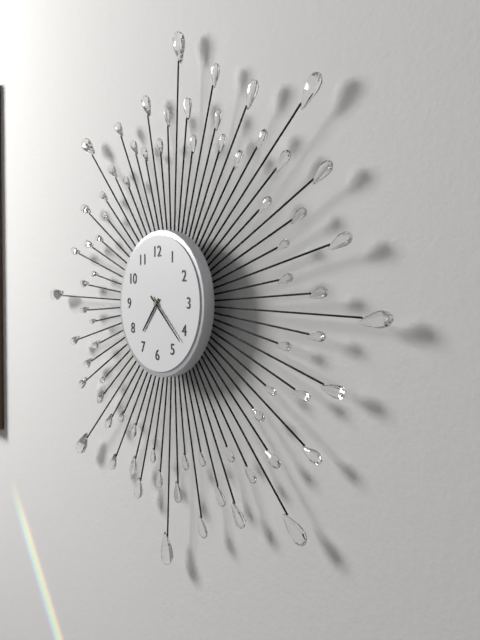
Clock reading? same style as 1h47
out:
7h22
